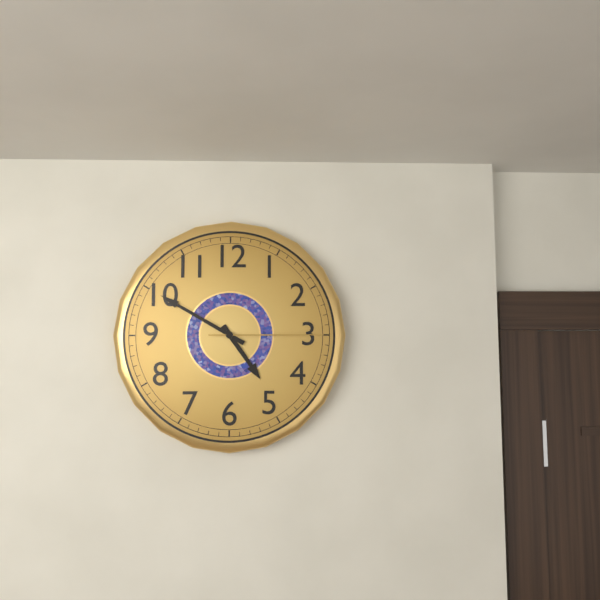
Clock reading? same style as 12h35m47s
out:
4h50m15s
